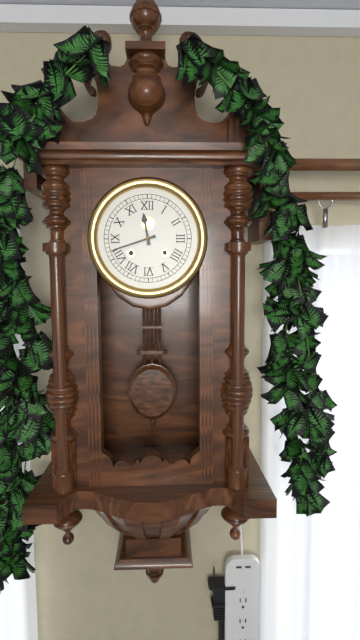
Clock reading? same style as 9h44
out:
11h42
